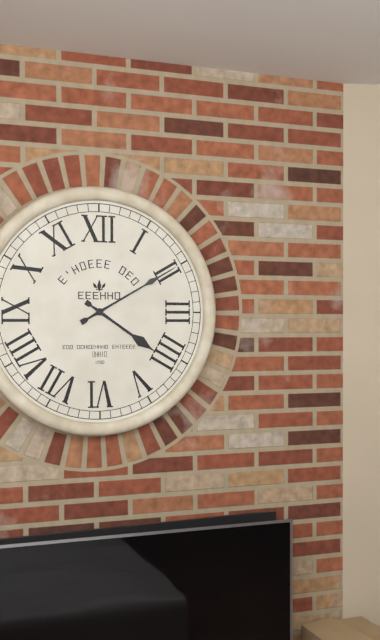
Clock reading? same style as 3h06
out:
4h10
